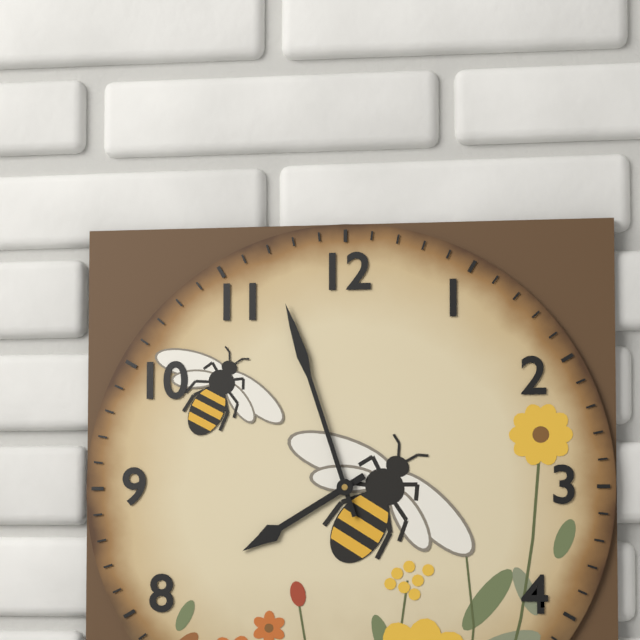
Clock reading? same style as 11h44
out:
7h57
